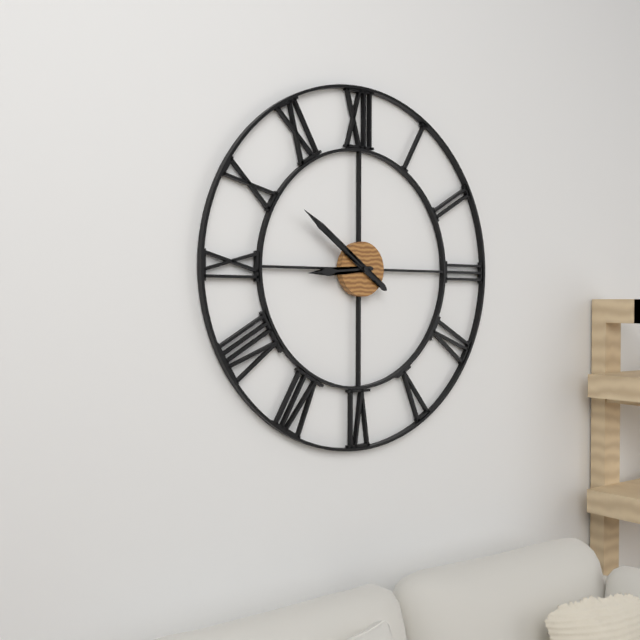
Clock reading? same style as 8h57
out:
8h51
